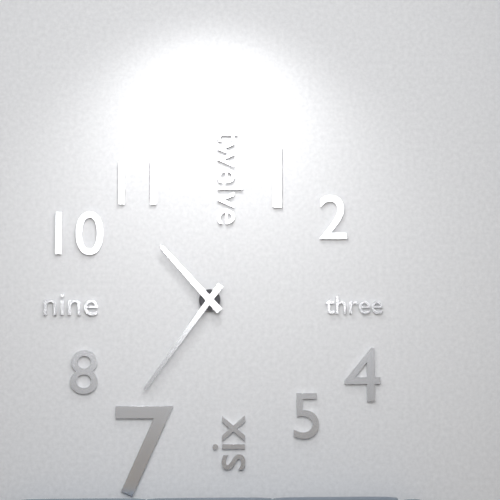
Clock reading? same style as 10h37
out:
10h36
